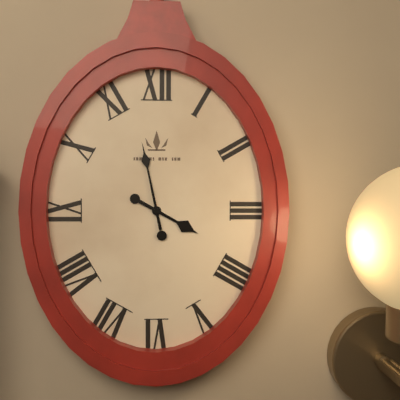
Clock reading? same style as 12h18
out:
3h58
